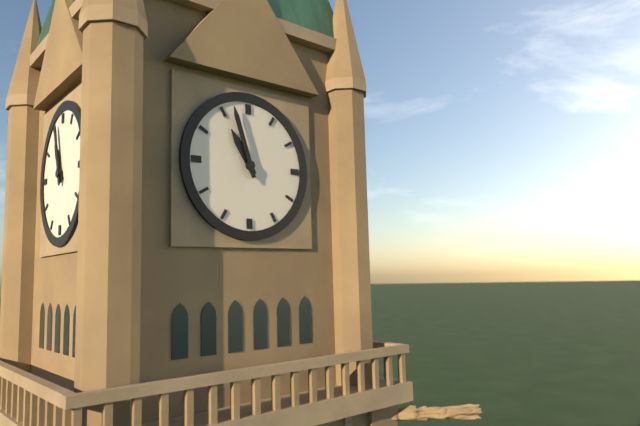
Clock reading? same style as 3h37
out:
10h57
